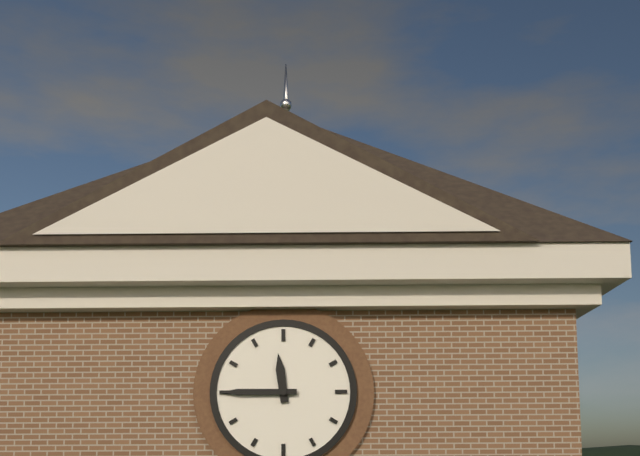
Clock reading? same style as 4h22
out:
11h45
